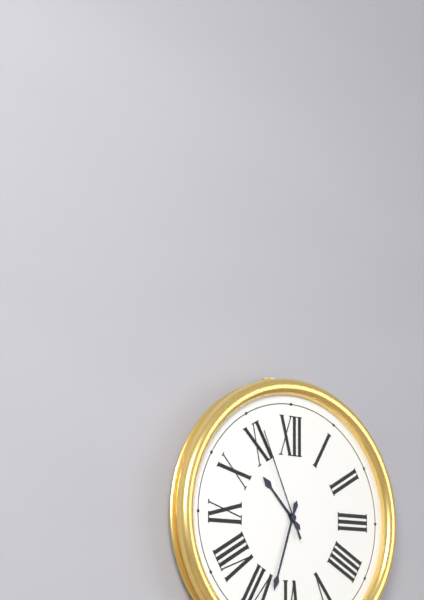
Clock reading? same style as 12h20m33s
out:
10h33m56s
